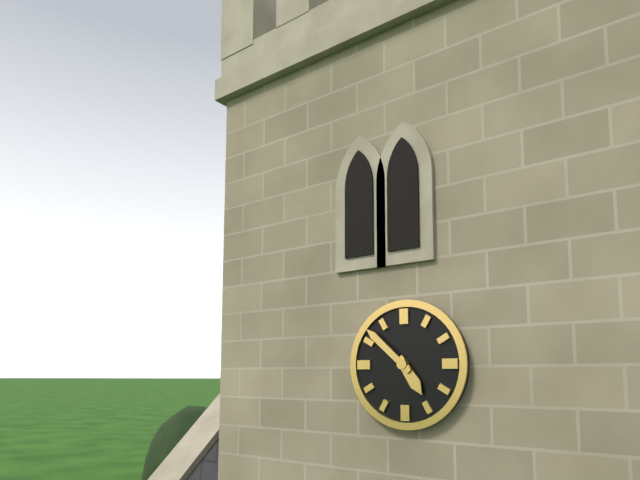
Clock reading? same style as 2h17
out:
4h52
